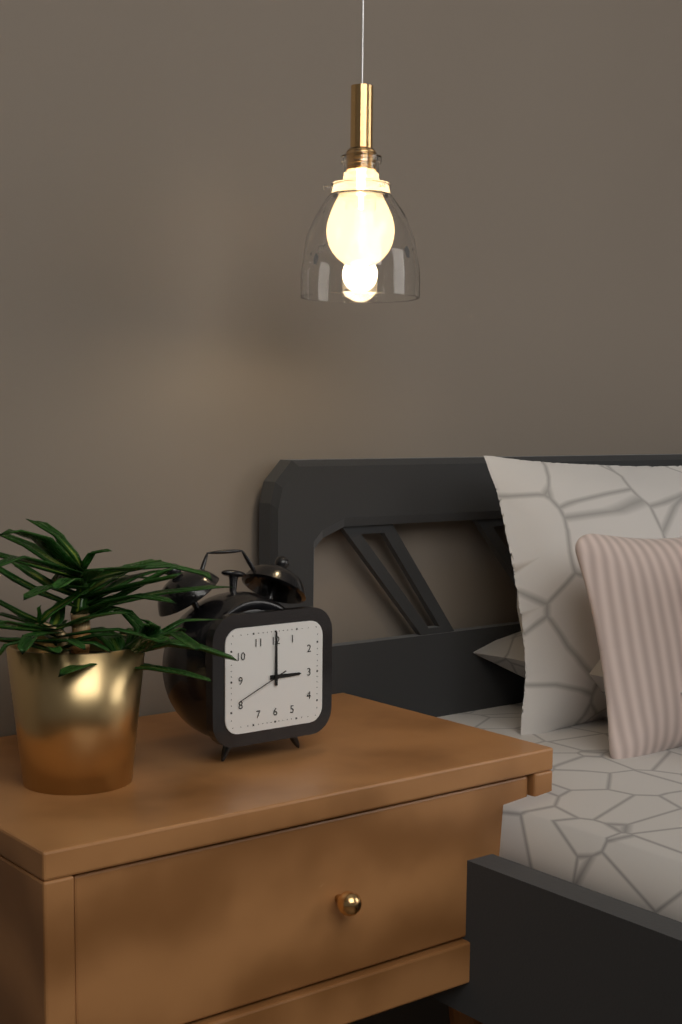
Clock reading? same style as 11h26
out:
3h00
